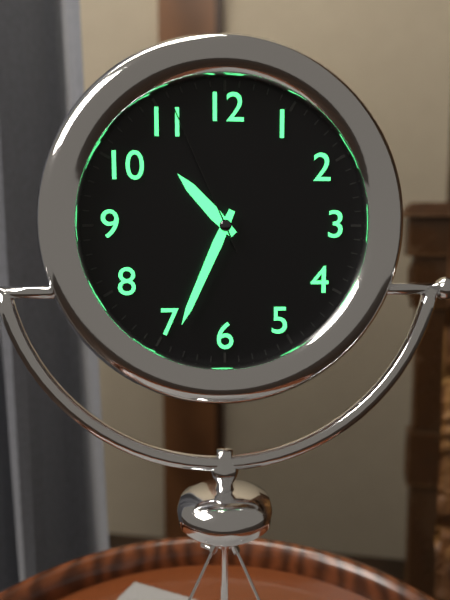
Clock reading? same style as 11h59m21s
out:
10h34m56s
